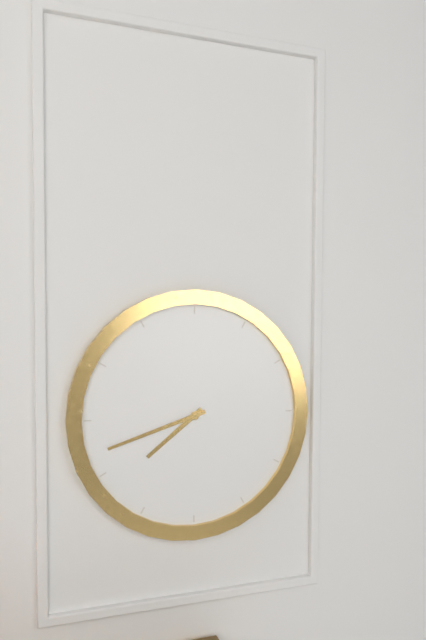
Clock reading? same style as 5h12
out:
7h42
